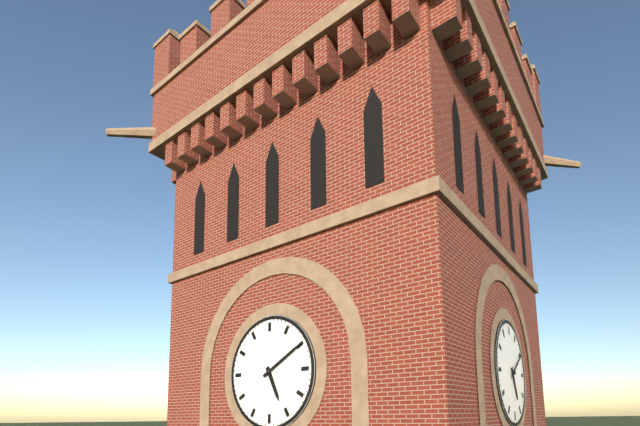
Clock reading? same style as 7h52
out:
5h10
